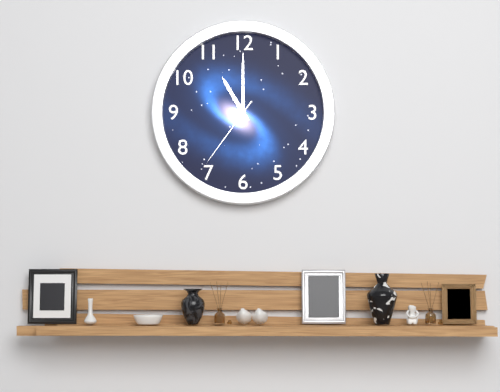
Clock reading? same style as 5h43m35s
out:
11h00m36s
